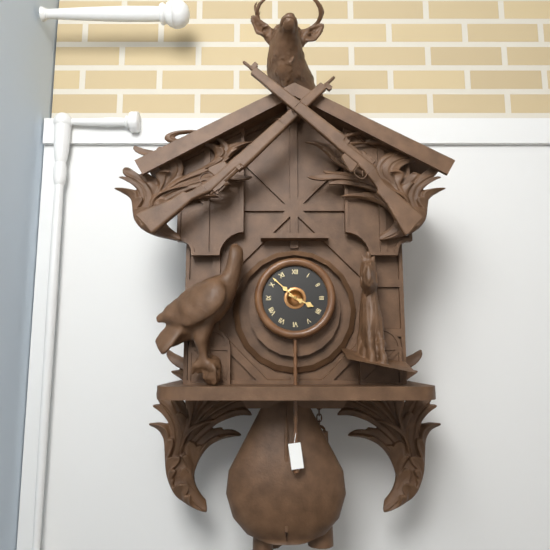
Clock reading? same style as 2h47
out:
3h52
